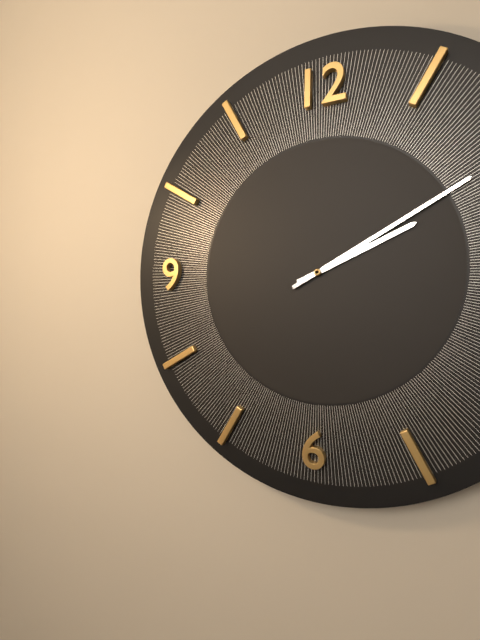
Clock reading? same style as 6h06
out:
2h10
